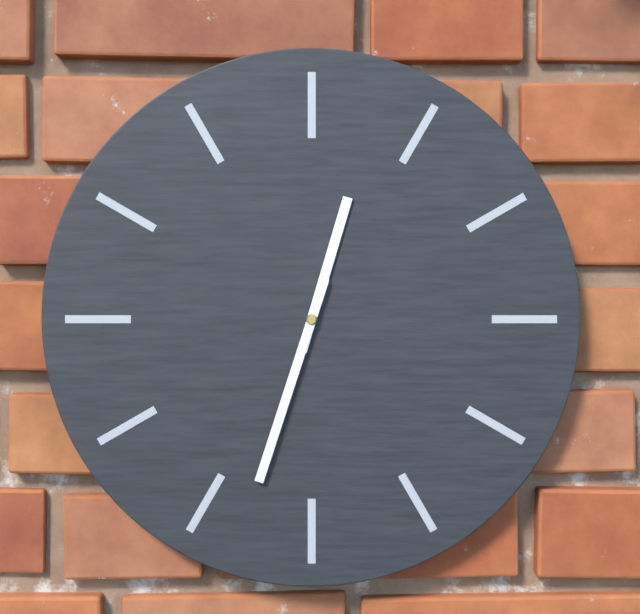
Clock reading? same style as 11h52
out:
12h33
